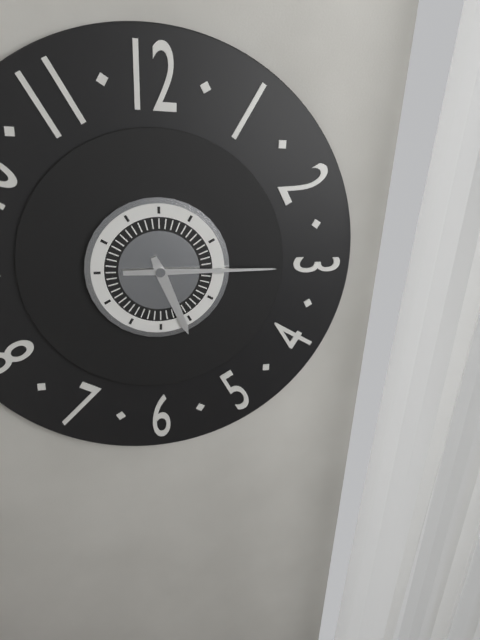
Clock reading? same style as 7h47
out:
5h15
